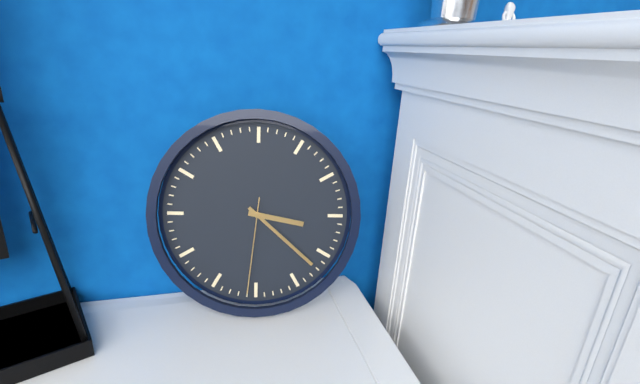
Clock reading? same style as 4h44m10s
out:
3h22m31s
